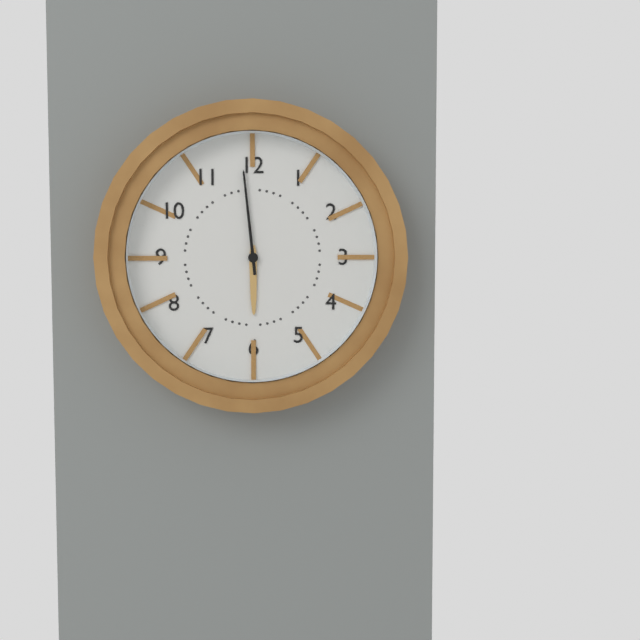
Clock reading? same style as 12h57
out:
5h59
